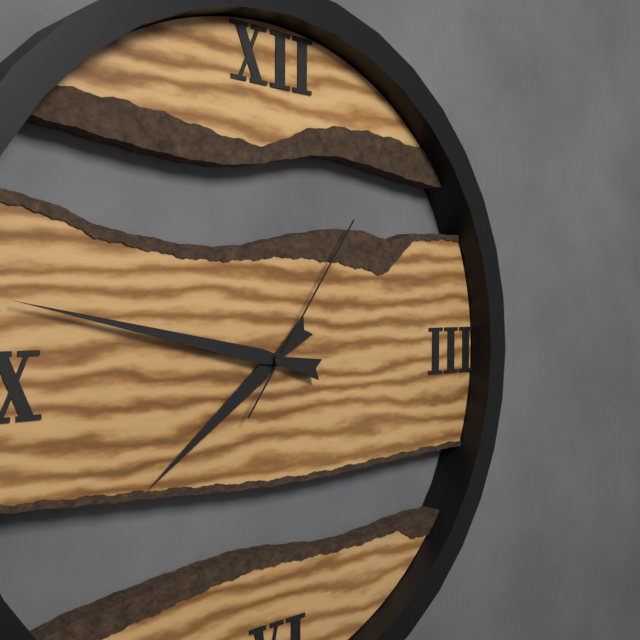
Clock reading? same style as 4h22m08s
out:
7h47m06s
